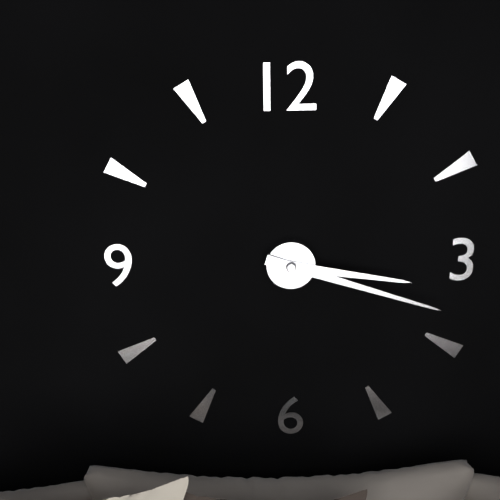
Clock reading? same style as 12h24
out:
3h18
